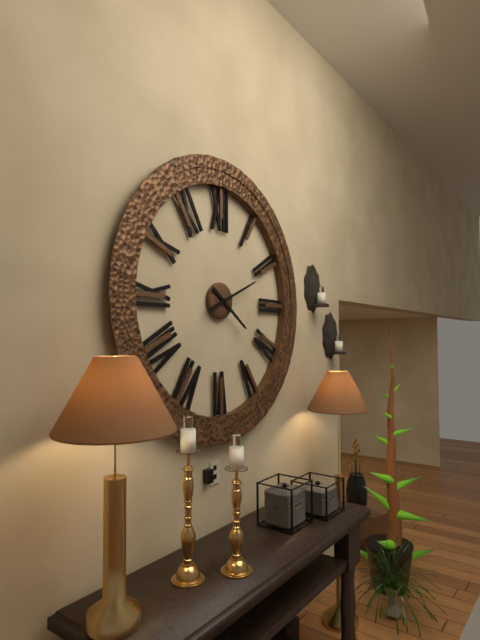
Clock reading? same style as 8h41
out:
4h11
